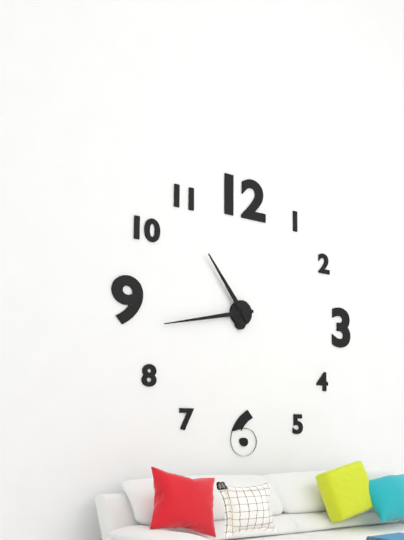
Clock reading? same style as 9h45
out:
10h43
